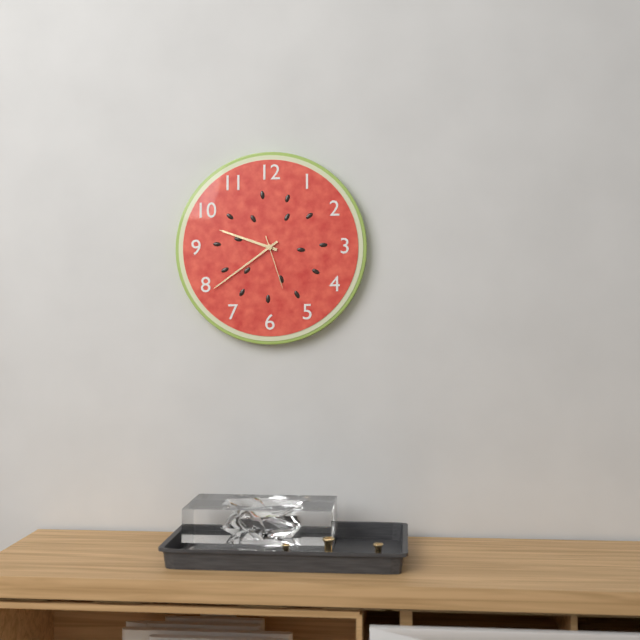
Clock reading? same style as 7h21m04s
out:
9h39m27s
